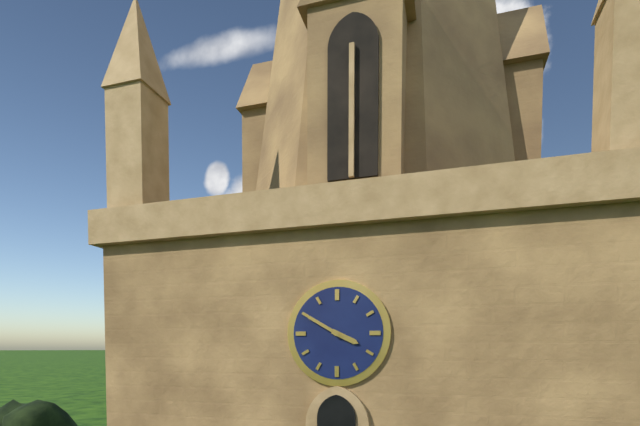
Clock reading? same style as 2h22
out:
3h50
